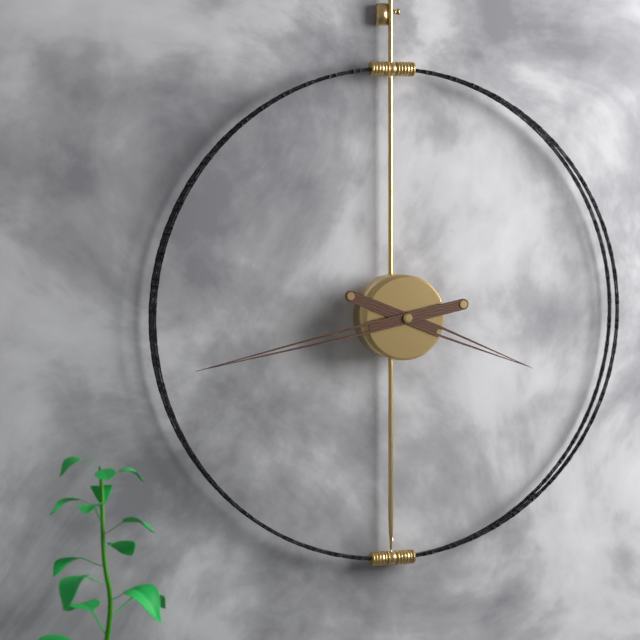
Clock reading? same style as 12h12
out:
3h43
